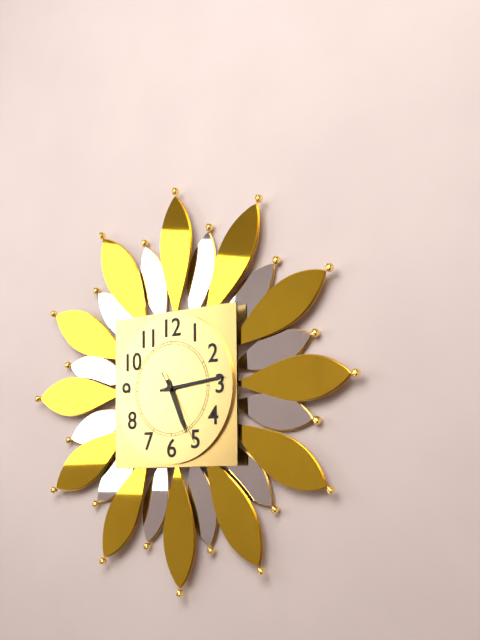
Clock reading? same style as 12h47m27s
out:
5h14m25s
